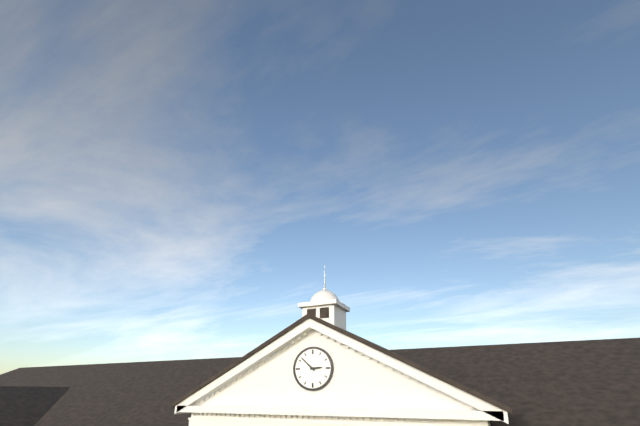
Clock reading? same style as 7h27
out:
2h52
